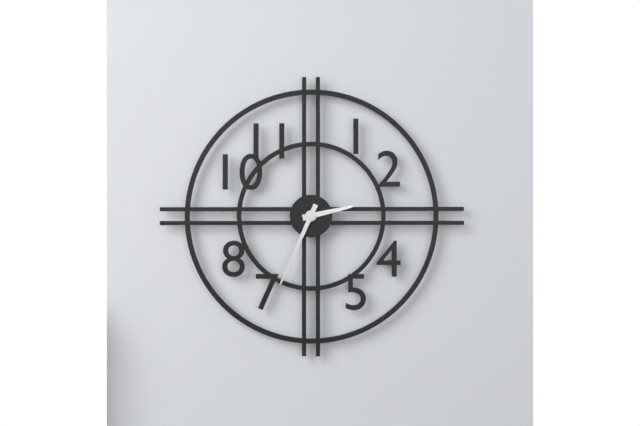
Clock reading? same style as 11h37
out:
2h34
